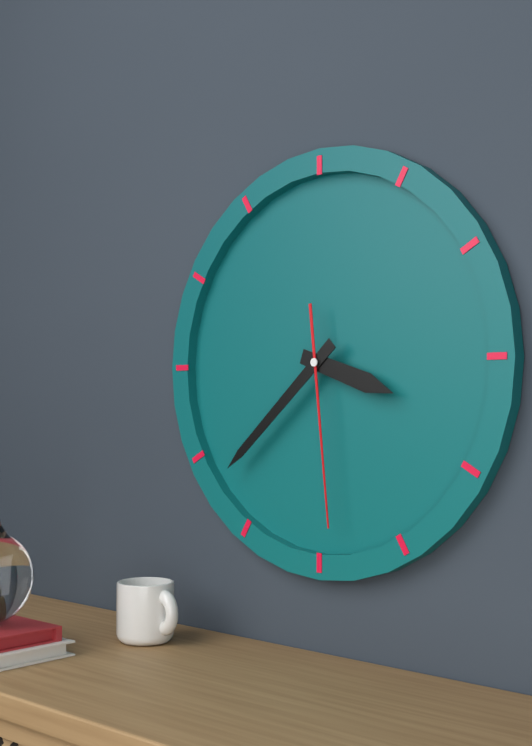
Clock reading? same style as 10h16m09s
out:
3h38m29s
